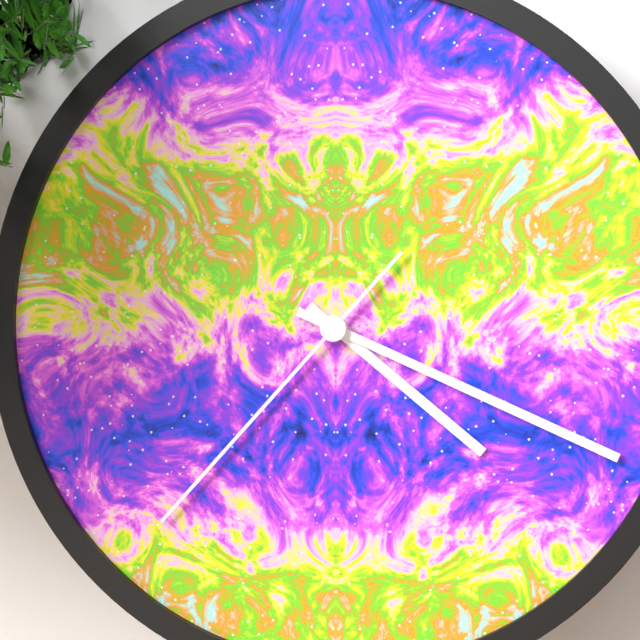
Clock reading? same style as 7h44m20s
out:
4h19m37s
